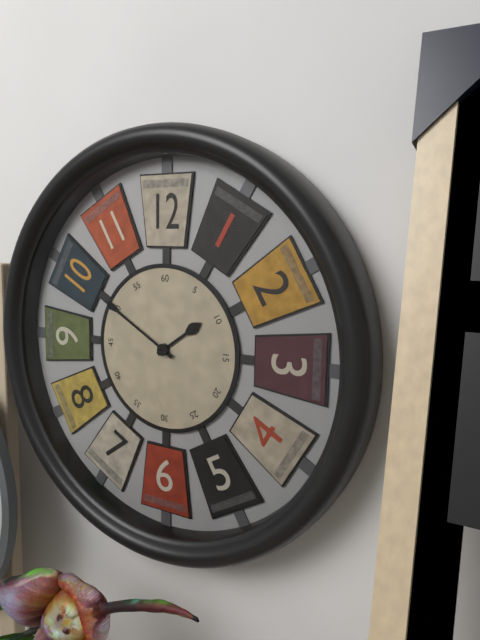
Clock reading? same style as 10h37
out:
1h50
